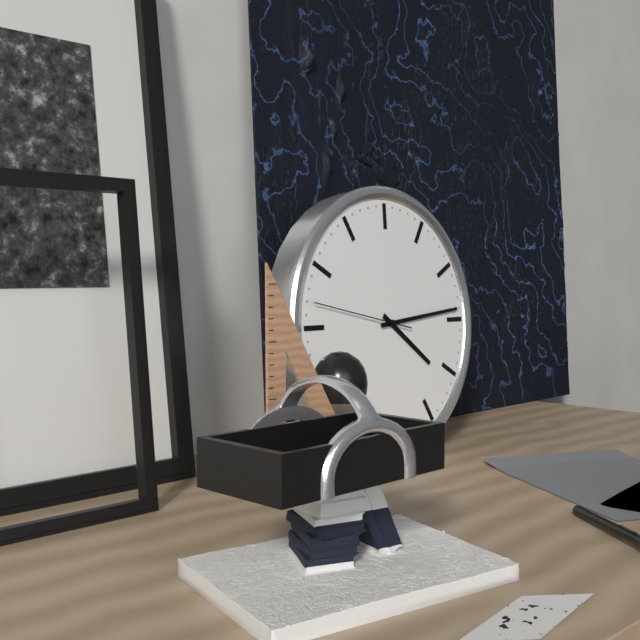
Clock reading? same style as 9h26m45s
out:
4h14m47s
